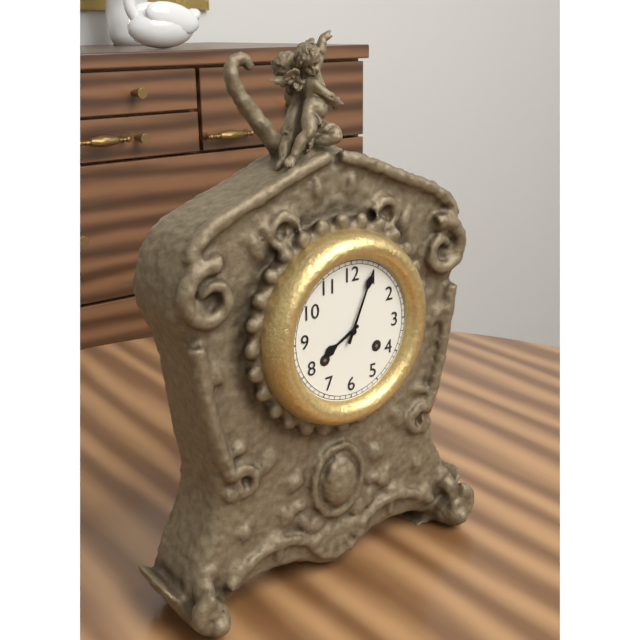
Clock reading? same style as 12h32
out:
8h04
